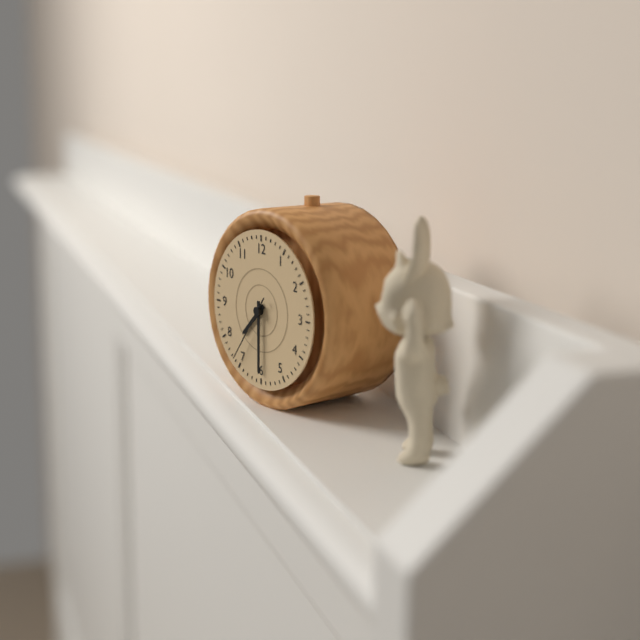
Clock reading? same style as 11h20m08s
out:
7h30m36s
